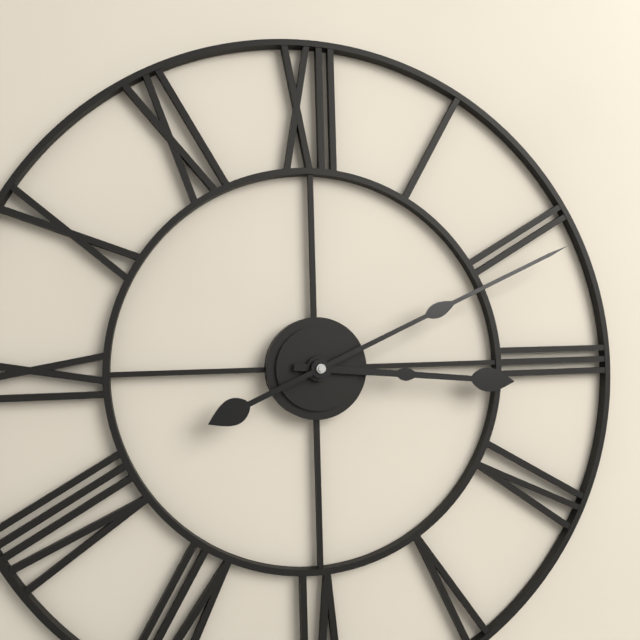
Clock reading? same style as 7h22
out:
3h11
